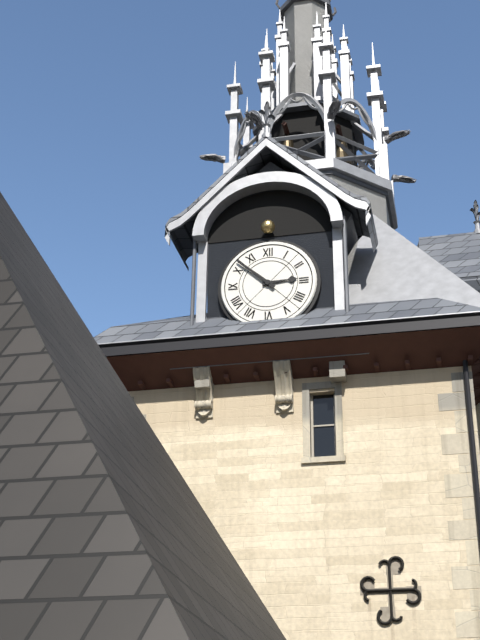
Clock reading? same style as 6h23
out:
2h52
